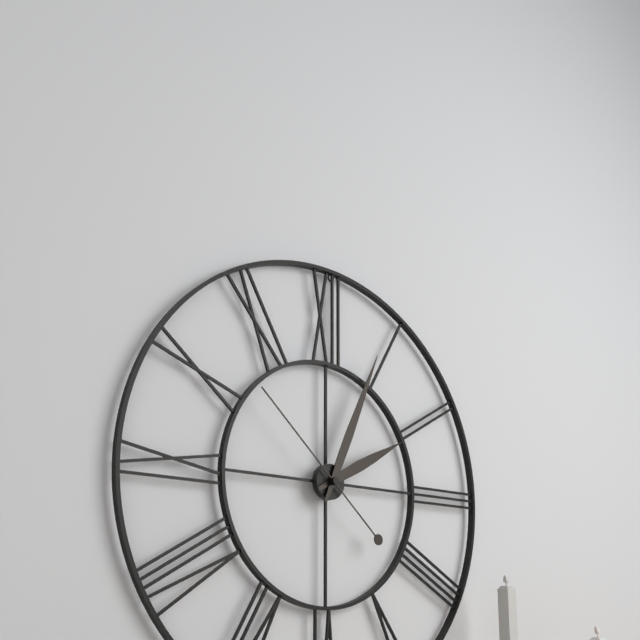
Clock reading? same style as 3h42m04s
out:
2h04m52s
